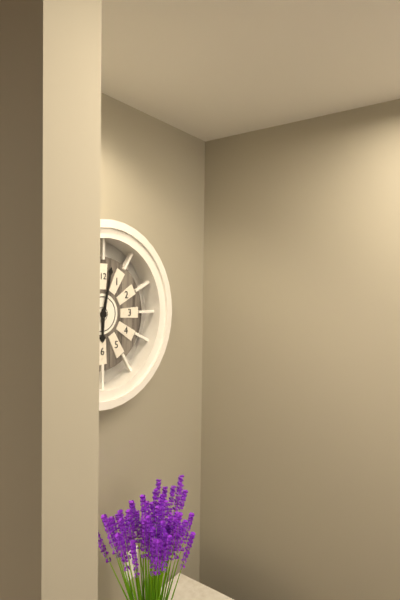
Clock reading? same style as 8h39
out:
6h02
